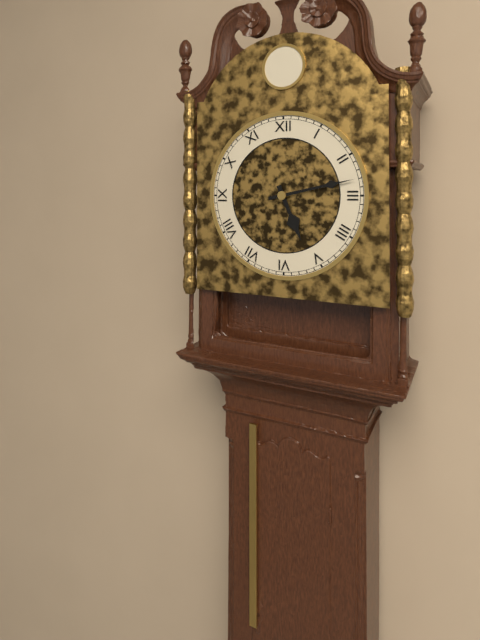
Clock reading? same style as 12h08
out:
5h13
